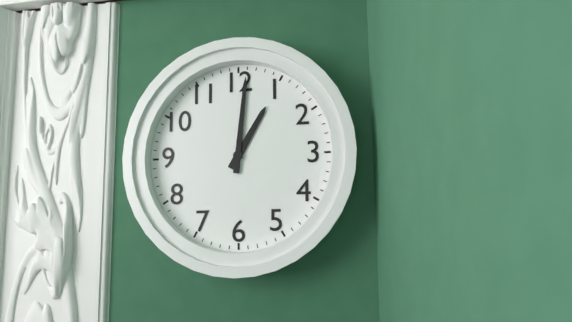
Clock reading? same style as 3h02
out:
1h01
